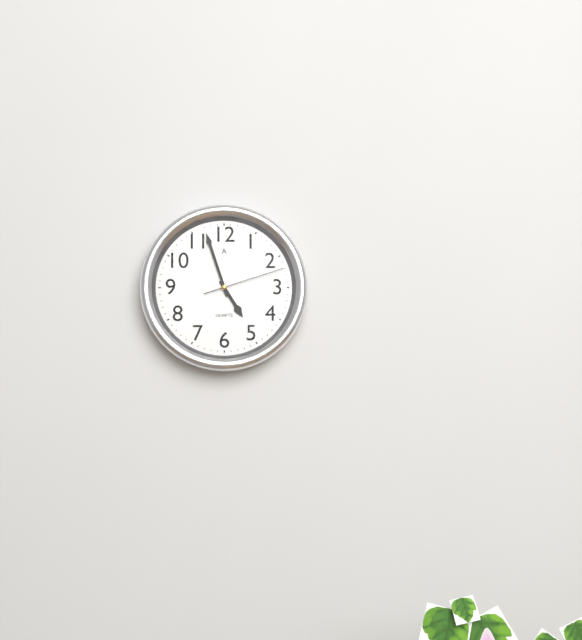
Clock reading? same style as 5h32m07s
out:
4h57m12s
